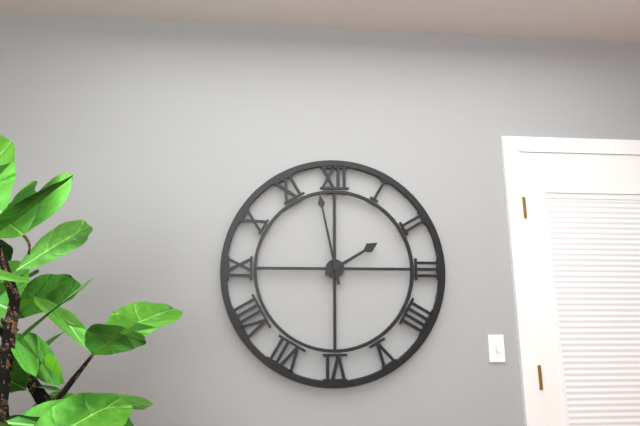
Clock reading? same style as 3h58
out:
1h58
